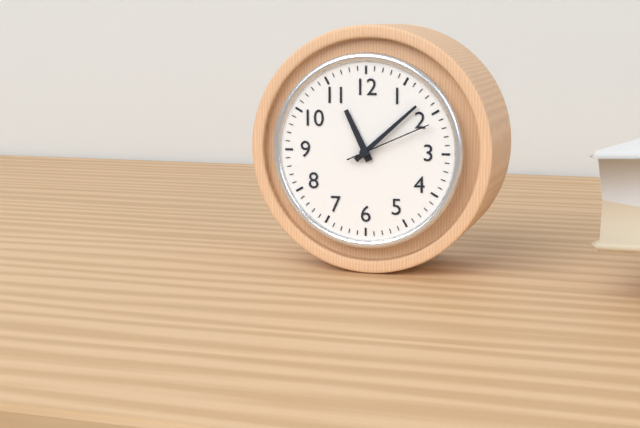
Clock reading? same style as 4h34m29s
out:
11h08m11s
